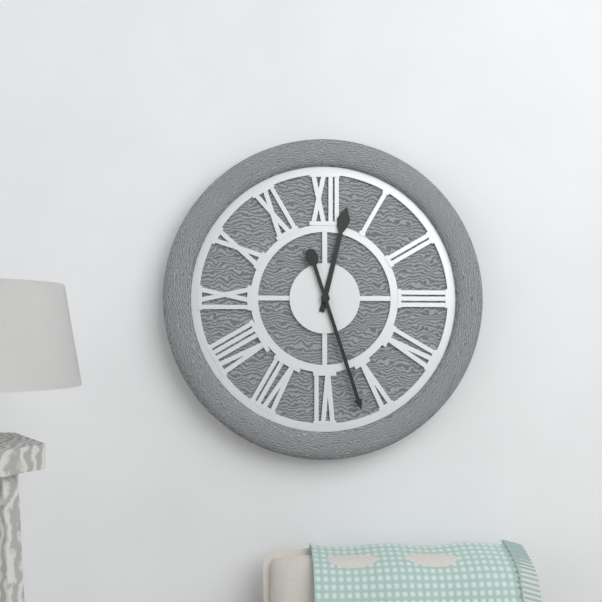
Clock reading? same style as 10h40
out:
12h27
